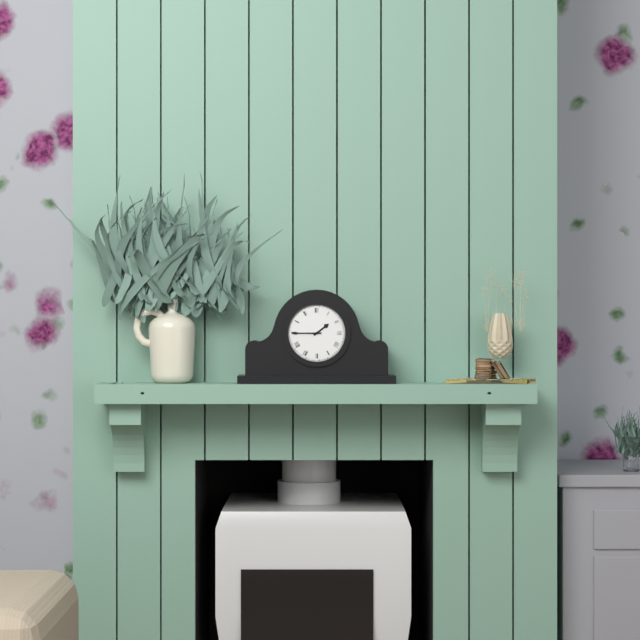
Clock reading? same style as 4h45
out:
1h45
